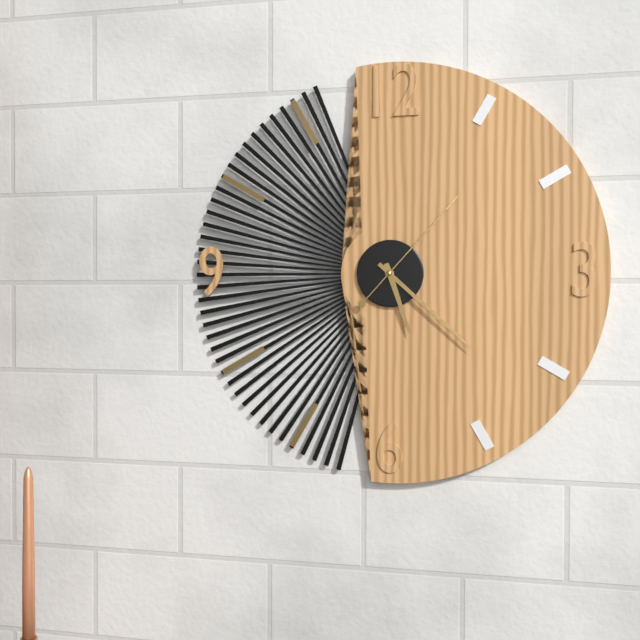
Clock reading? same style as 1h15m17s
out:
5h22m07s
